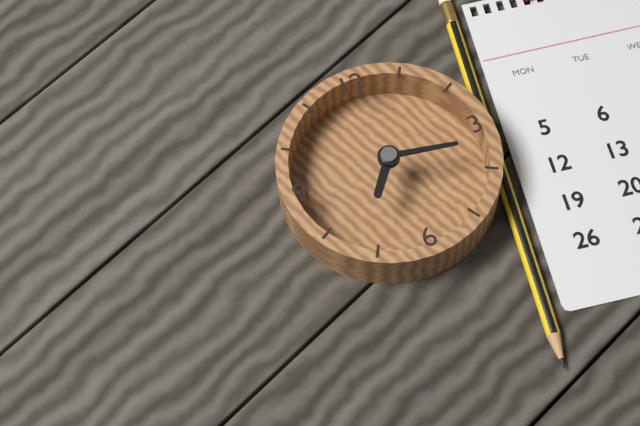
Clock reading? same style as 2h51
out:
7h17
